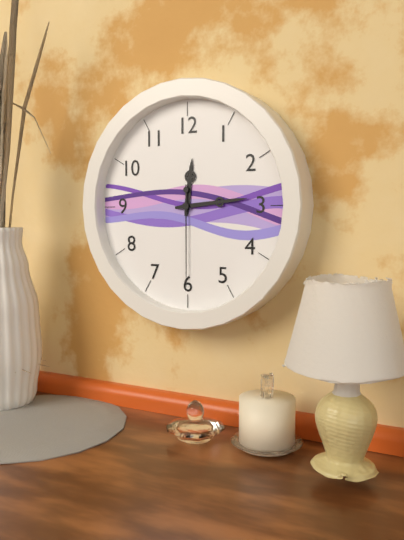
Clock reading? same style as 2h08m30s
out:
12h14m30s
